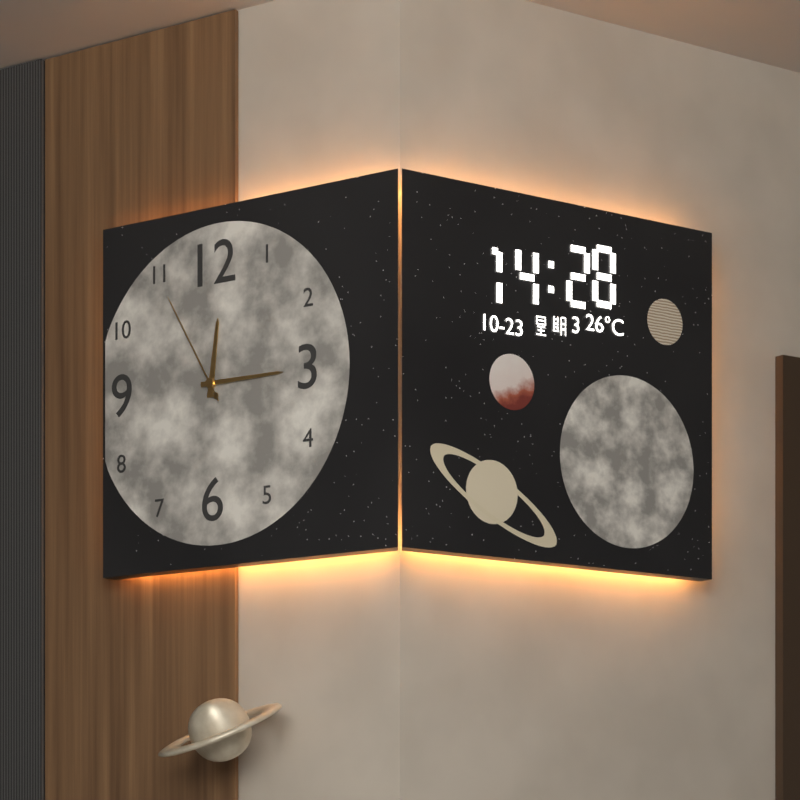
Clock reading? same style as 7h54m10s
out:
12h15m55s
